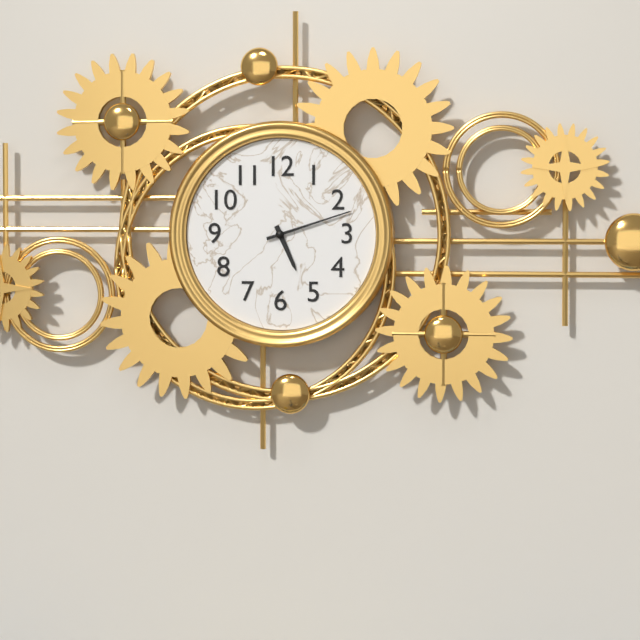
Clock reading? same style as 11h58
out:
5h12
